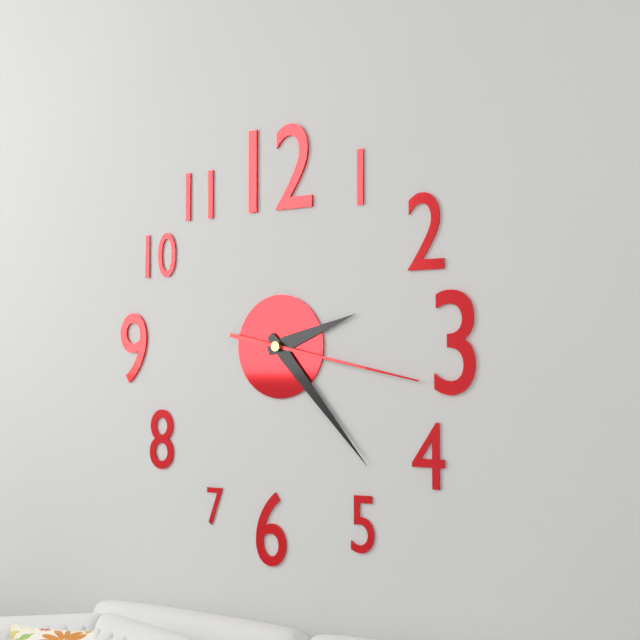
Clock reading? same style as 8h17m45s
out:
2h23m17s
